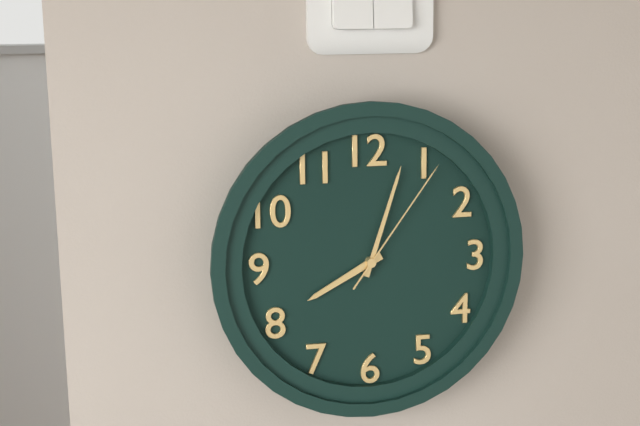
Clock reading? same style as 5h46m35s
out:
8h03m06s
